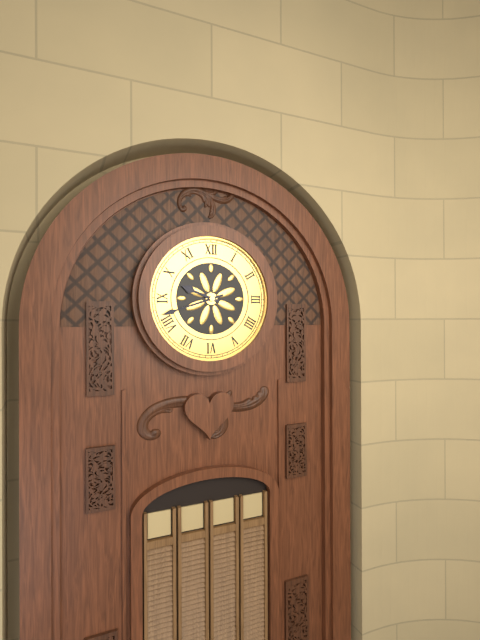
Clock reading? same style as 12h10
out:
9h42
